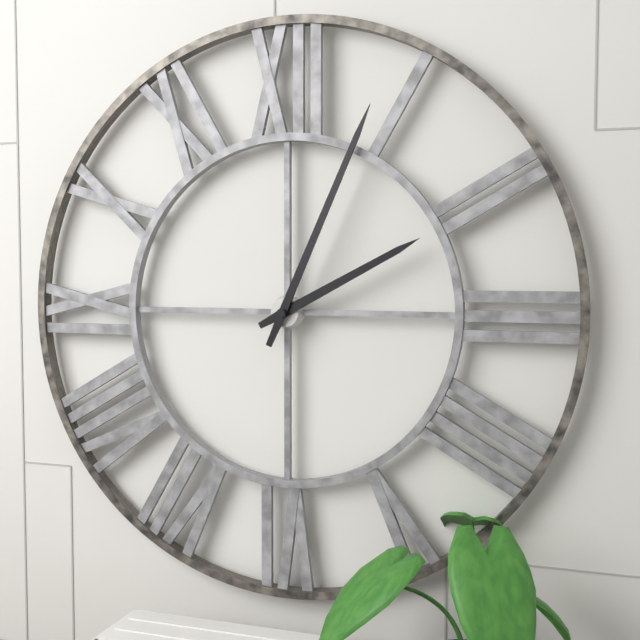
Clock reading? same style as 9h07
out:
2h04
